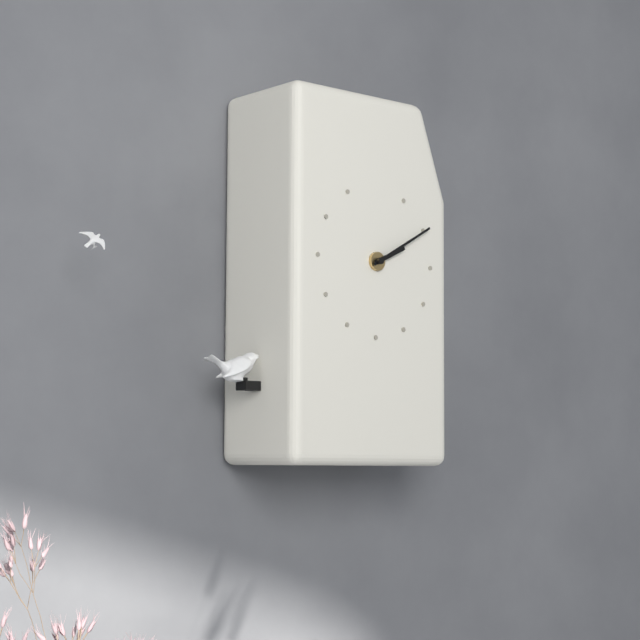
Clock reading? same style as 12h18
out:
2h10
